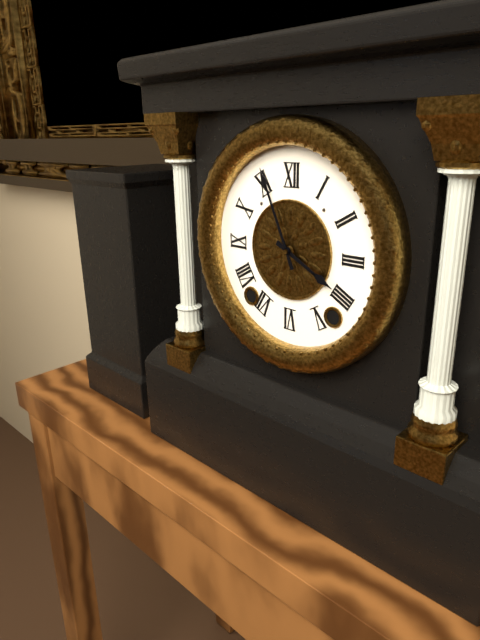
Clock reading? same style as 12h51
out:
3h56
